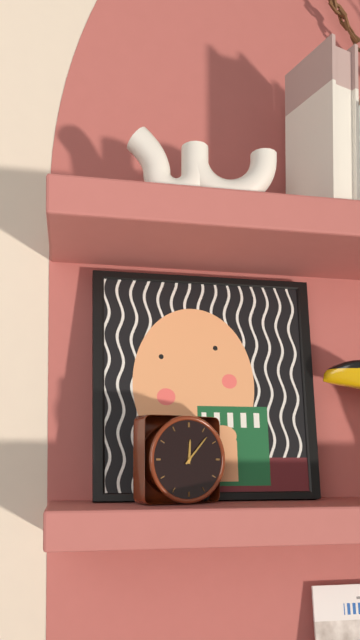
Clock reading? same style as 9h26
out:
12h07
